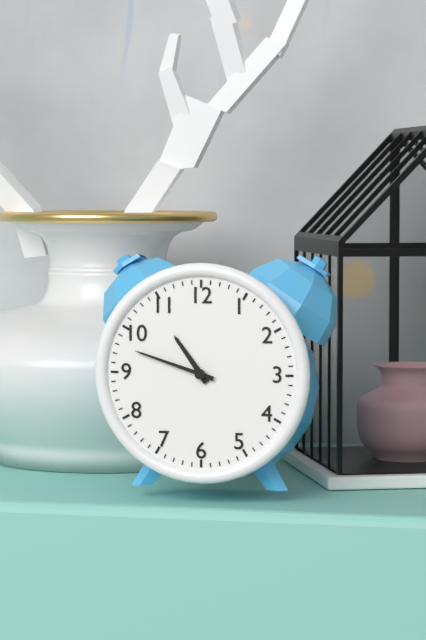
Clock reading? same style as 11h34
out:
10h48
